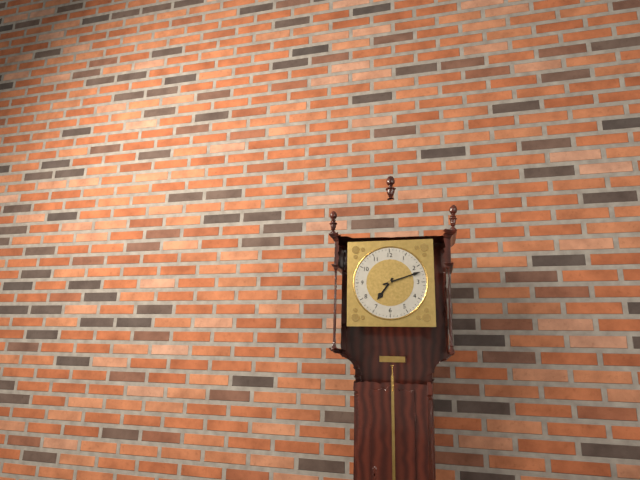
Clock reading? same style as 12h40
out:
7h12
